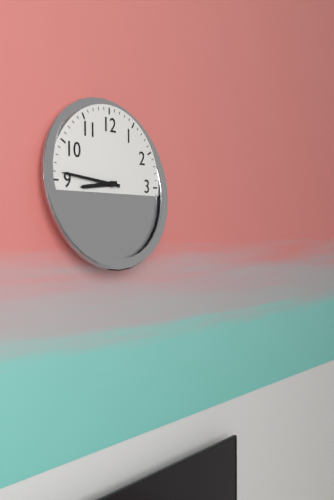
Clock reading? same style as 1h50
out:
8h46
